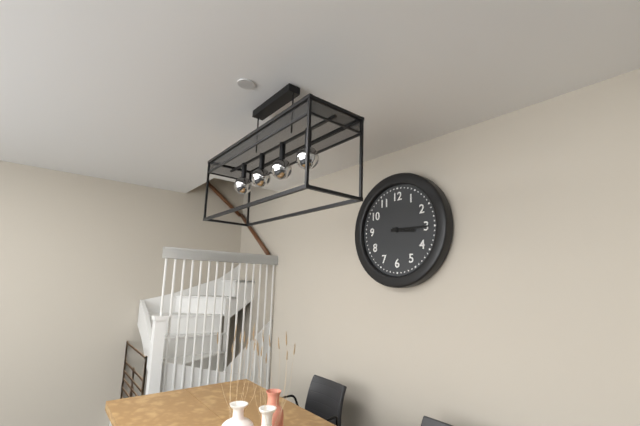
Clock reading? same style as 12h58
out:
3h15
